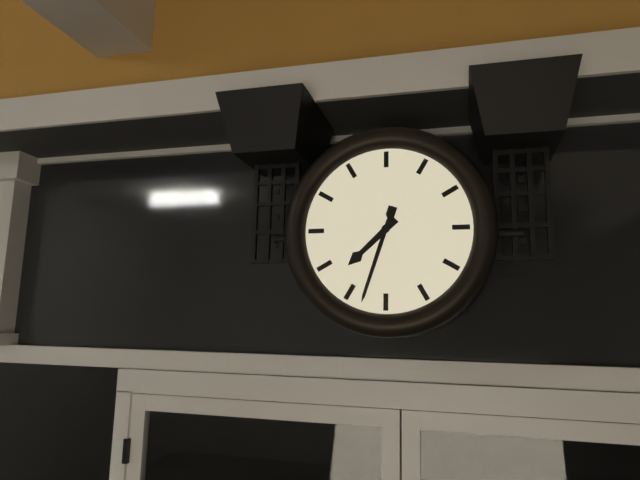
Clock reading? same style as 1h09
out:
7h33
